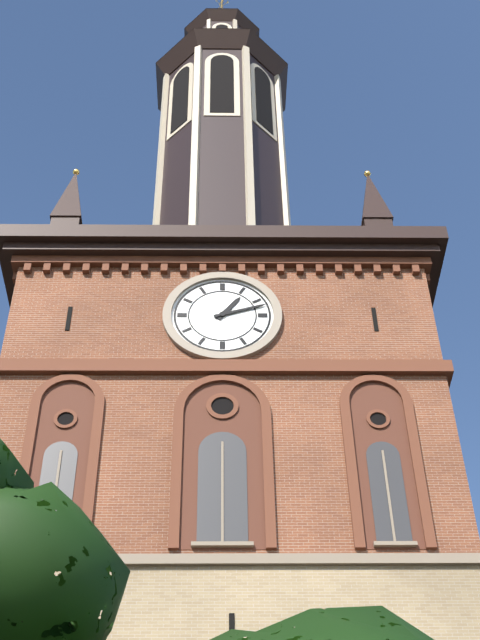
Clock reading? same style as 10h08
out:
1h12
